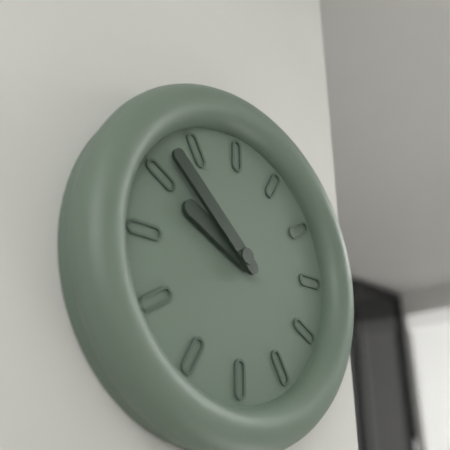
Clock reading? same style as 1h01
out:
9h52
